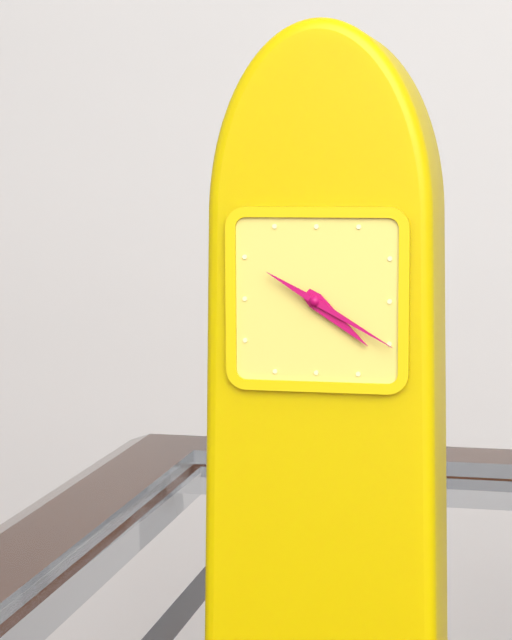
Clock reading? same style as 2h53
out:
4h20
